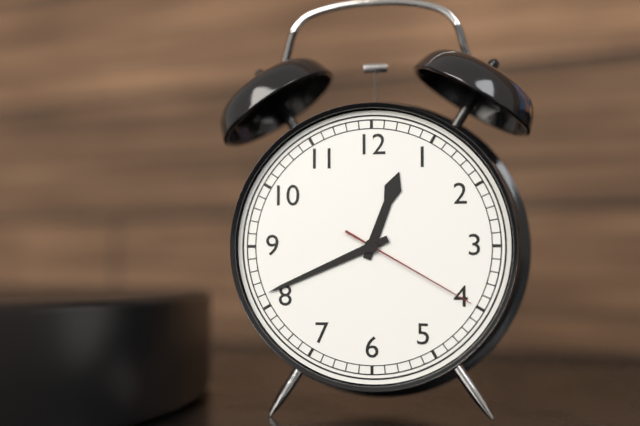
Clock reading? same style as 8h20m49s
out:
12h41m20s
